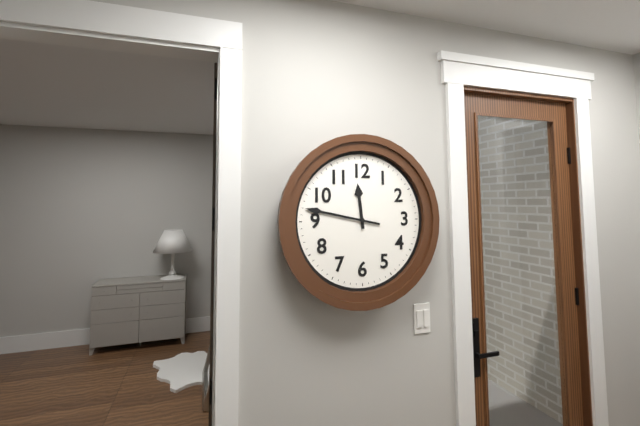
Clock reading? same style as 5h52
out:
11h47
